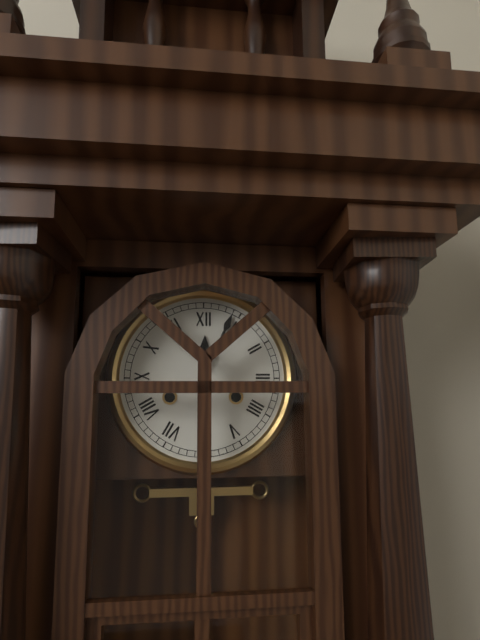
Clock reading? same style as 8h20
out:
12h04
